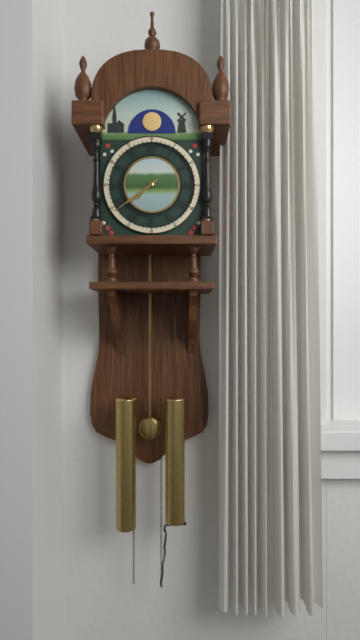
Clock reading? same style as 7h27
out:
7h39
